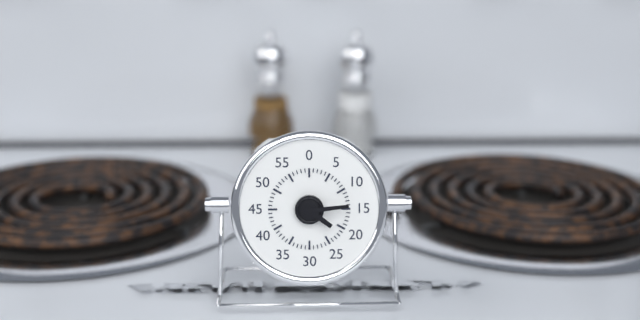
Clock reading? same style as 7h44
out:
4h14
